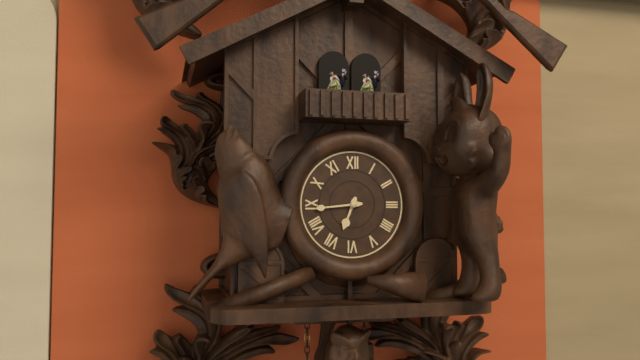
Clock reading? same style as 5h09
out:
6h44
